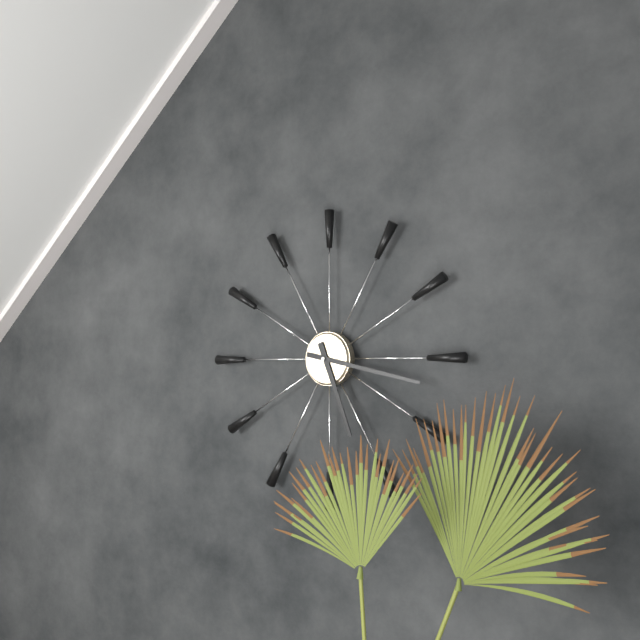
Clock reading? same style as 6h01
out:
5h17
